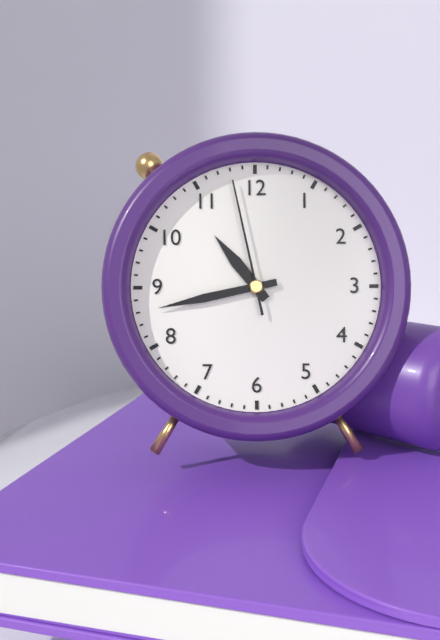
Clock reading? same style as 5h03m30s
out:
10h43m58s
